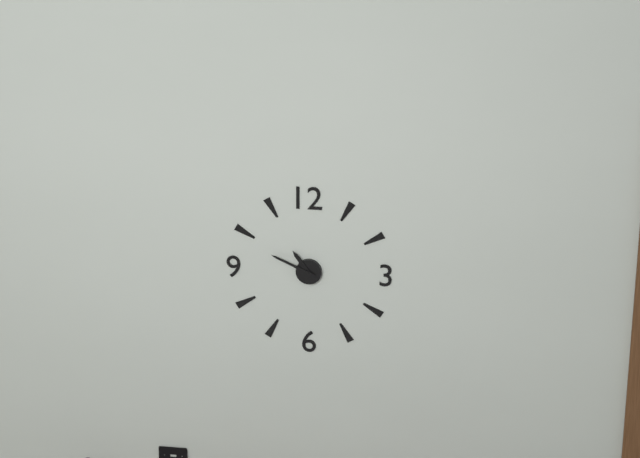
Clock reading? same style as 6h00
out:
10h49
